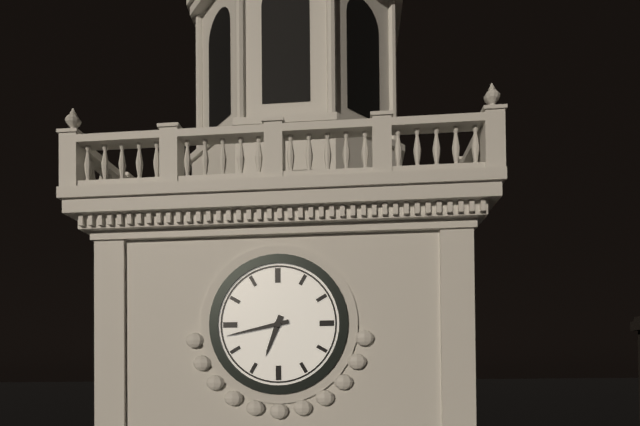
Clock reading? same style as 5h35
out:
6h43
